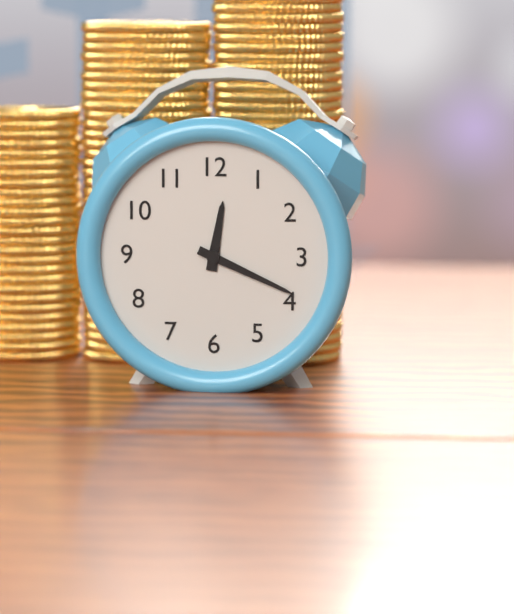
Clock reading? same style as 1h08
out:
12h19
